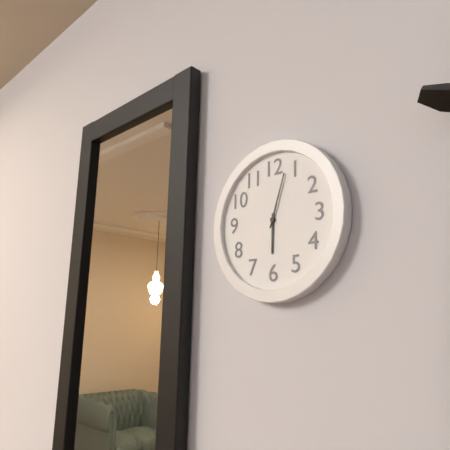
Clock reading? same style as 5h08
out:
6h03
